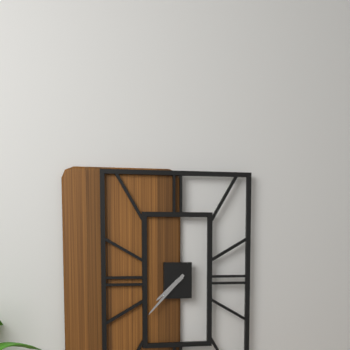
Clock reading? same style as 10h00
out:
7h37
